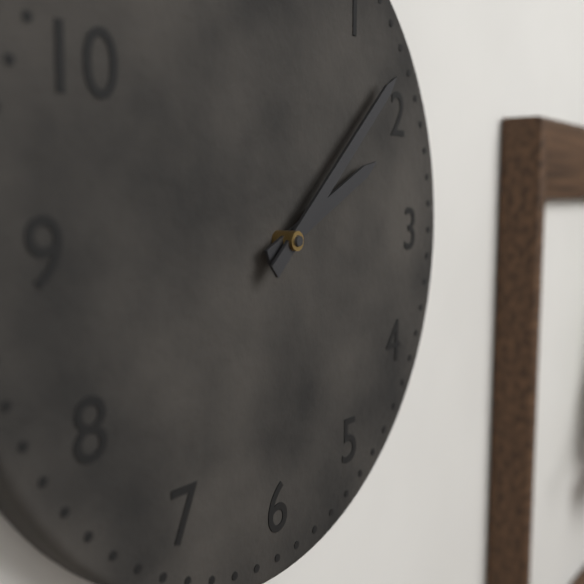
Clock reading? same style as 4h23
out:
2h08
